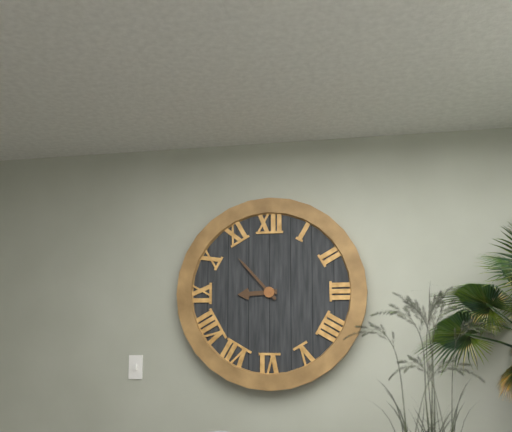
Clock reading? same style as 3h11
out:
8h53
